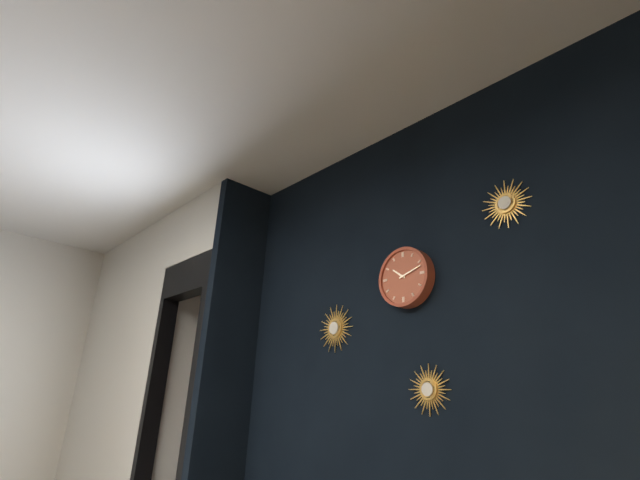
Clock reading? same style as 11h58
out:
10h12
